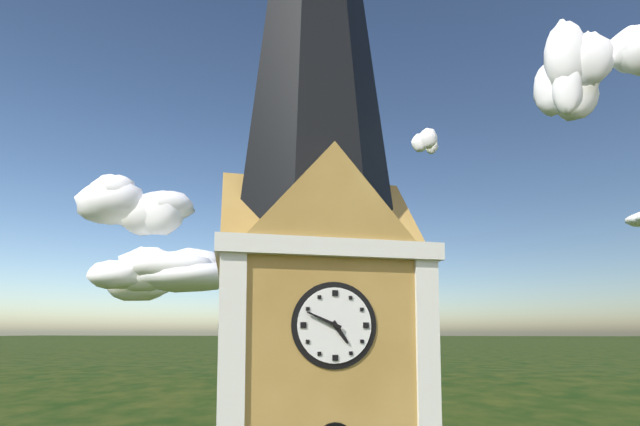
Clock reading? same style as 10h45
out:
4h49
